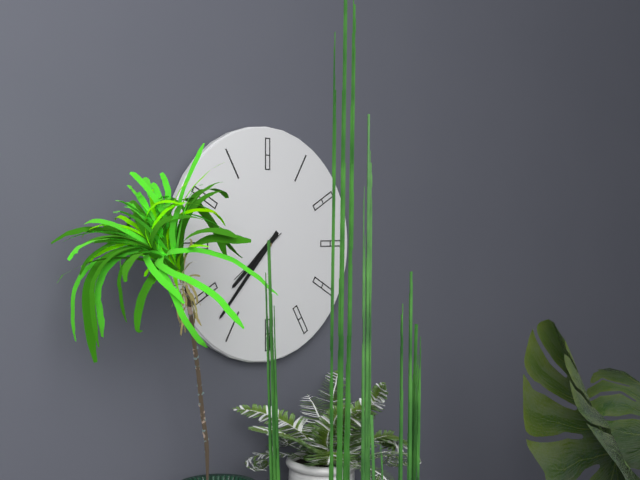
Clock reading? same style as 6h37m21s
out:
7h37m39s
